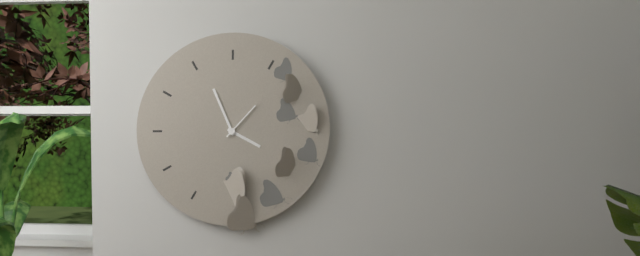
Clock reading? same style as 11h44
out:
3h56
